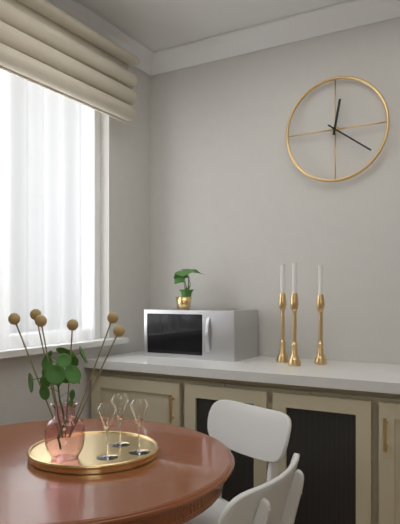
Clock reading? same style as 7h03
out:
12h21
